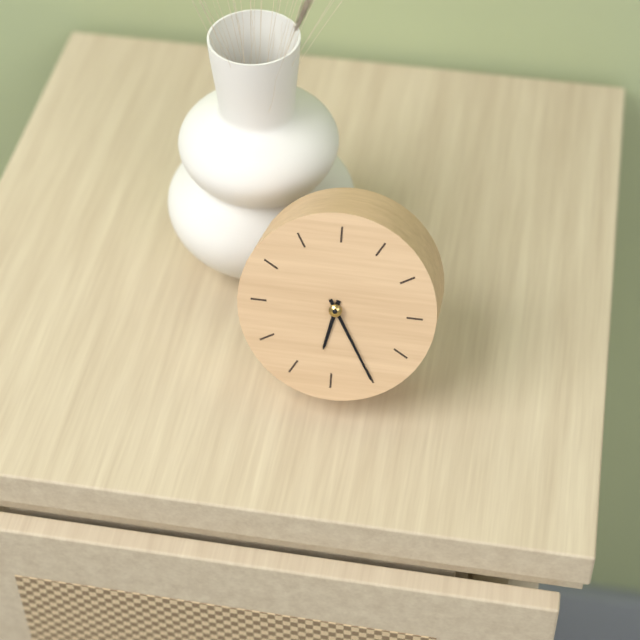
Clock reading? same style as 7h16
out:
6h25
